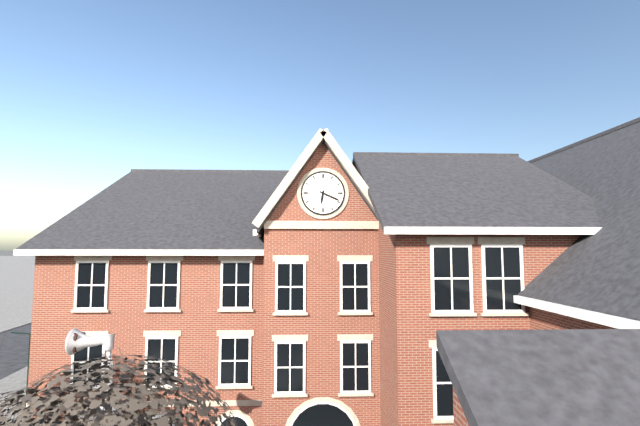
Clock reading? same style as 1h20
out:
6h19
